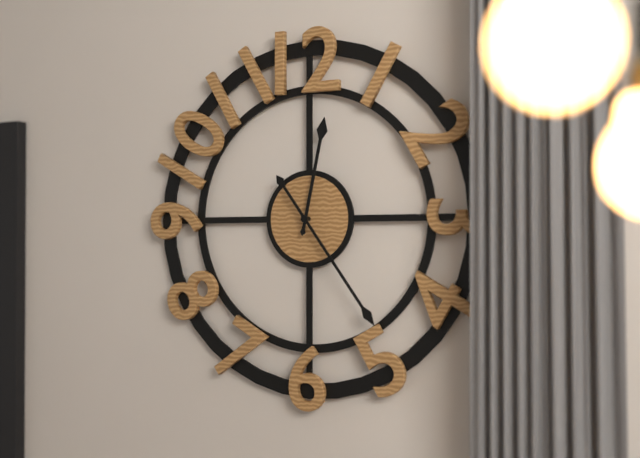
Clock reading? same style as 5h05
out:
12h24
